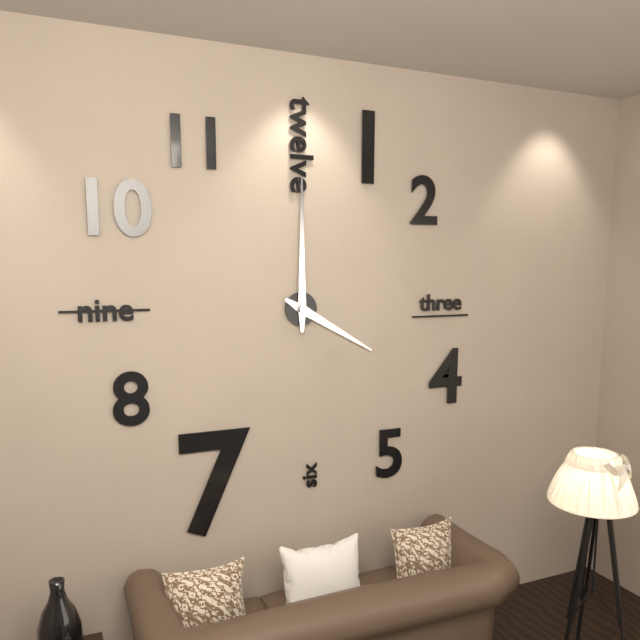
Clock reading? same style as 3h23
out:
4h00
